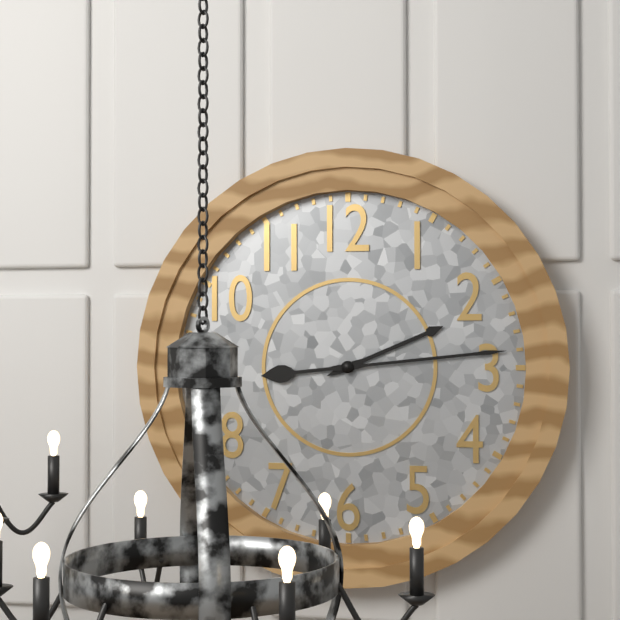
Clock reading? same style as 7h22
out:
2h14
